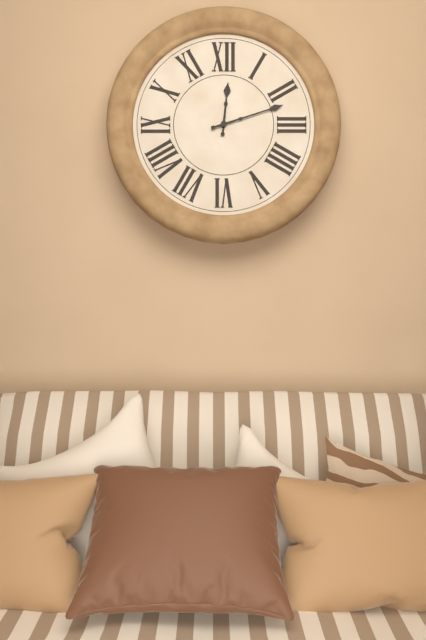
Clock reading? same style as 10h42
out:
12h12
